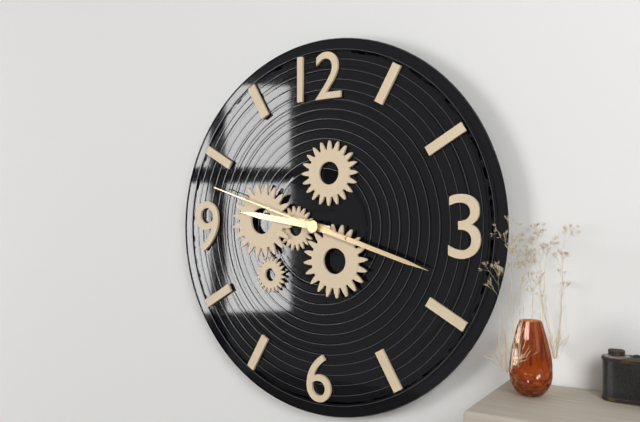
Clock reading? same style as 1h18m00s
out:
9h18m48s
